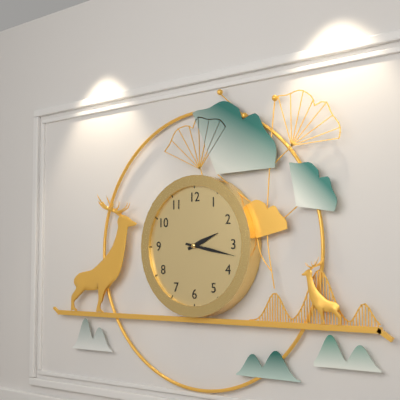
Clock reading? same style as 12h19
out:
2h17
